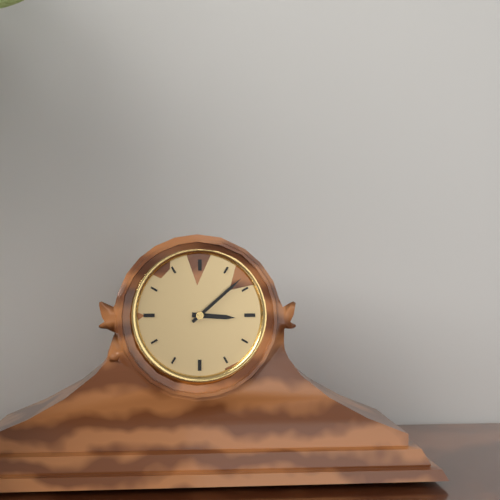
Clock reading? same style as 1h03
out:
3h08
